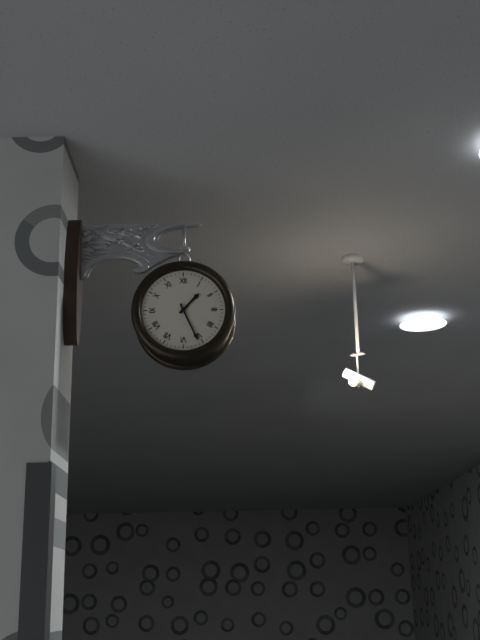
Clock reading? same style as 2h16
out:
1h26
